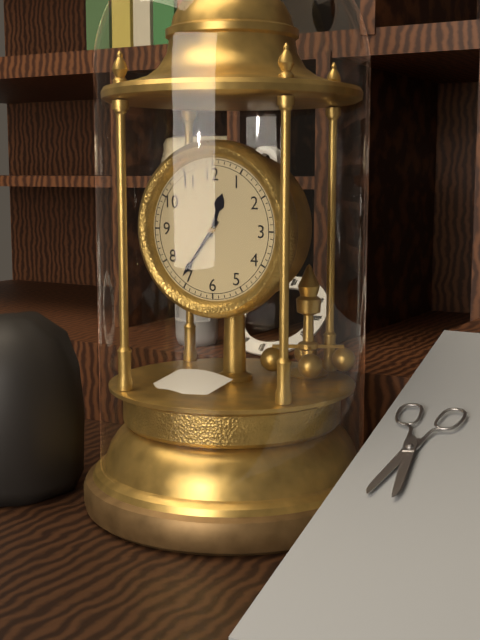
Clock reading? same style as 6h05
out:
12h36
